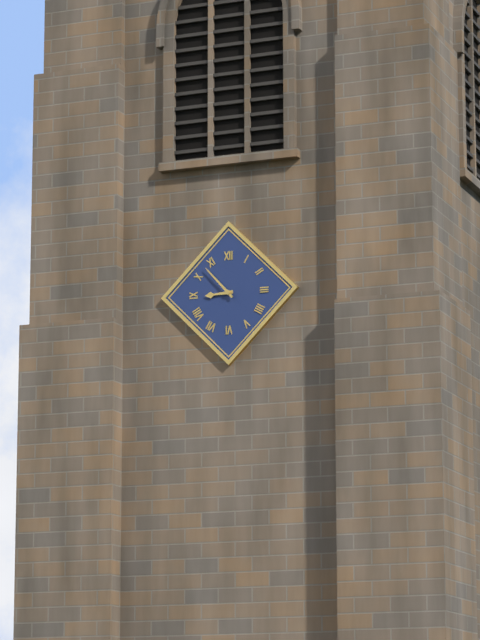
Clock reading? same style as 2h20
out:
8h53
